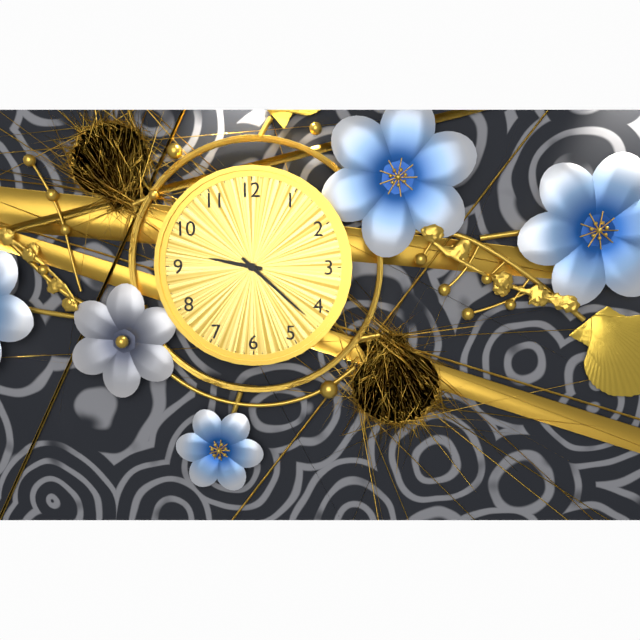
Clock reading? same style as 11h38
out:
9h22
